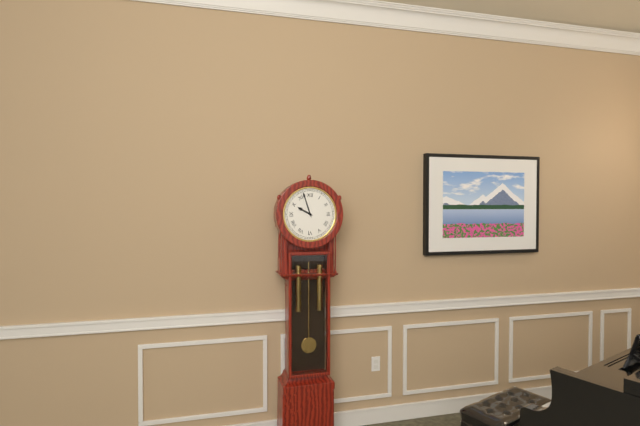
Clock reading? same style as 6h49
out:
9h57
